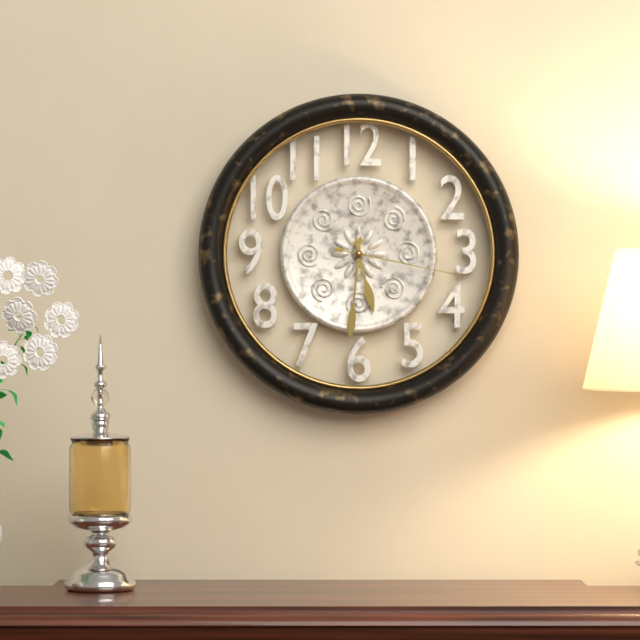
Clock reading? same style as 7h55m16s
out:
5h31m17s
